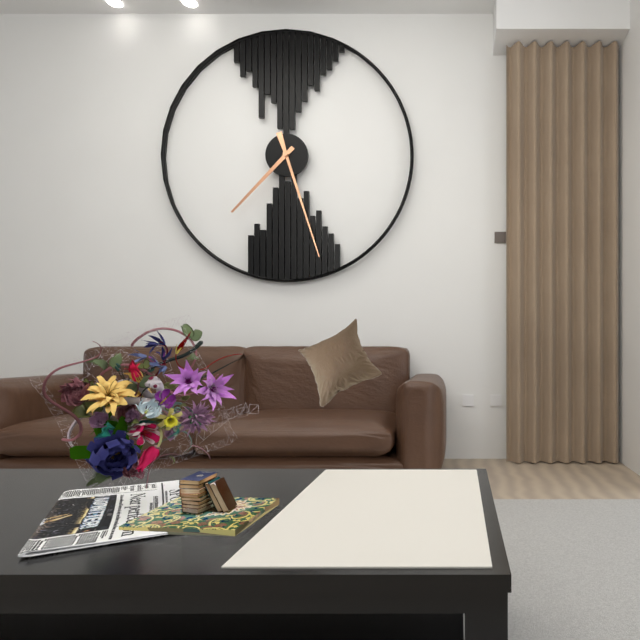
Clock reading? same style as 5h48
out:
7h27
